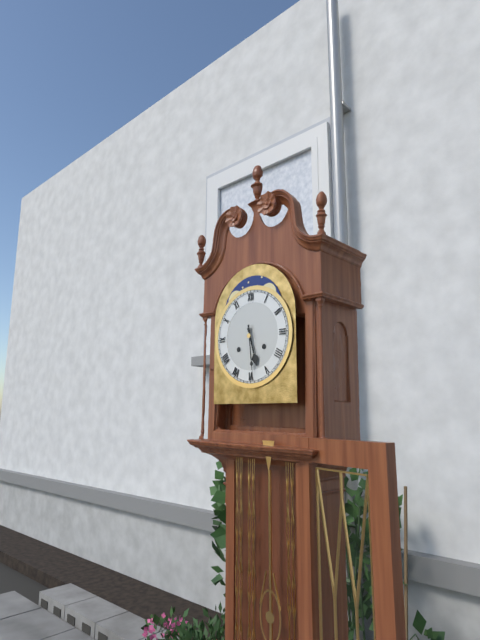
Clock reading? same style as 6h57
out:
5h29
